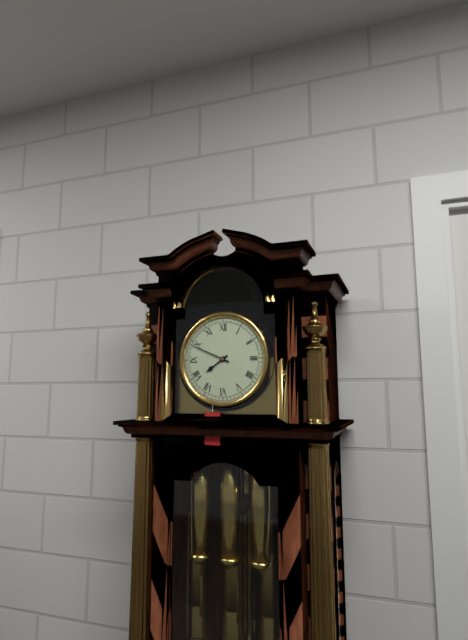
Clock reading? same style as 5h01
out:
7h49
